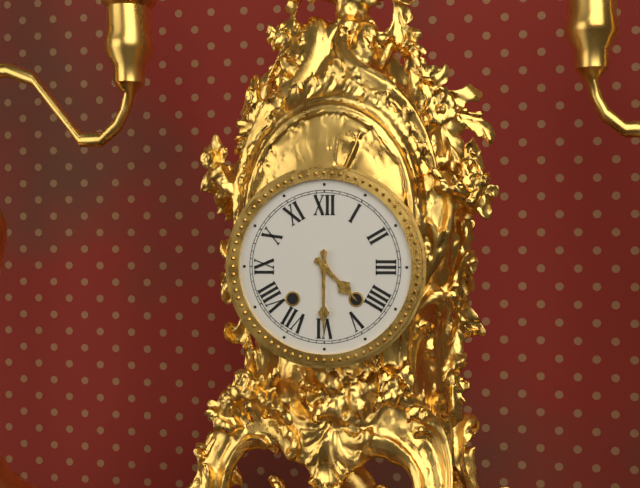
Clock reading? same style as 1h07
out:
4h30
